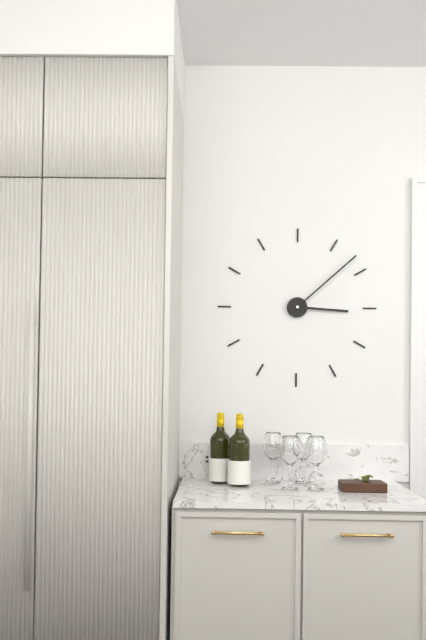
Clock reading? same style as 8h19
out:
3h08
